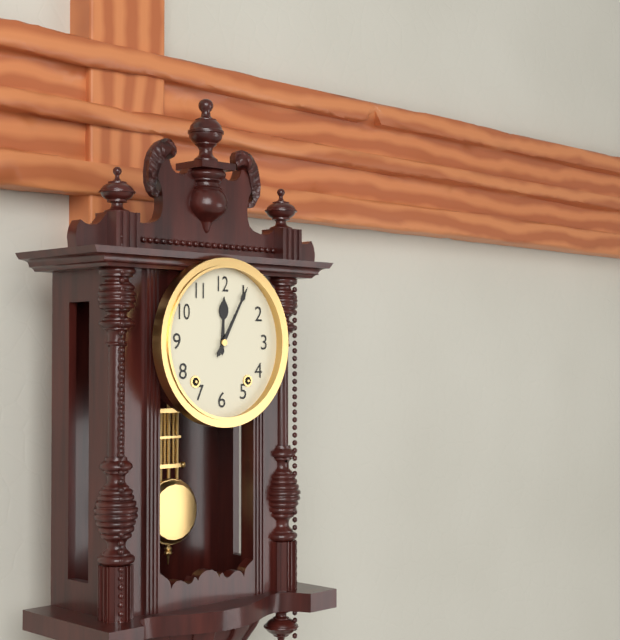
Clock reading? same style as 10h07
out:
12h05
